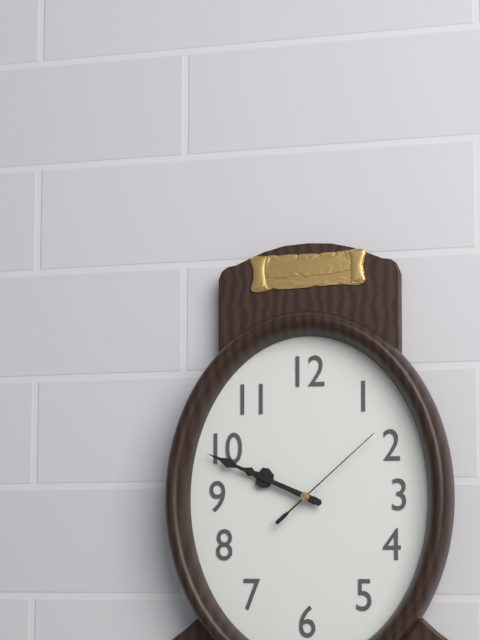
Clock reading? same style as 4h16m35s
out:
9h49m08s
